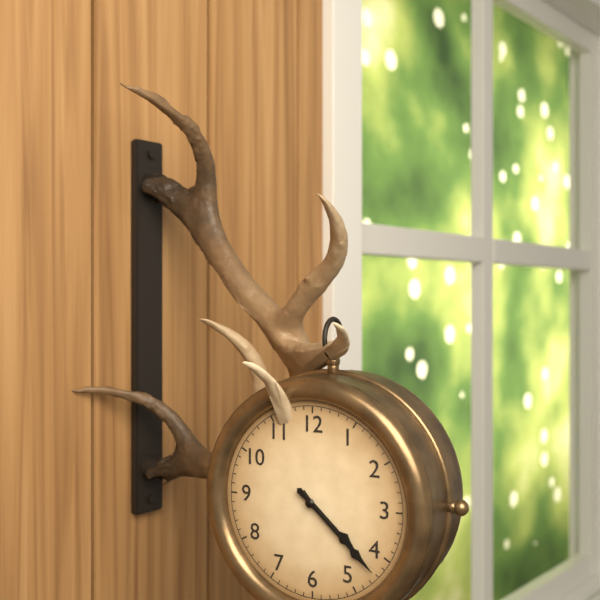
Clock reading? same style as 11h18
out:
4h22
